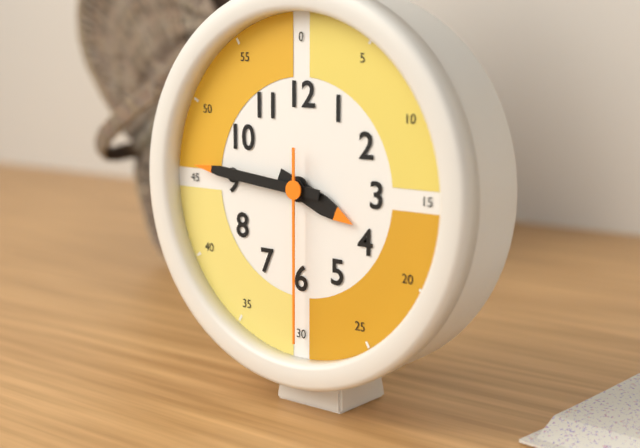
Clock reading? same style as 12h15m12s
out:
3h46m30s
